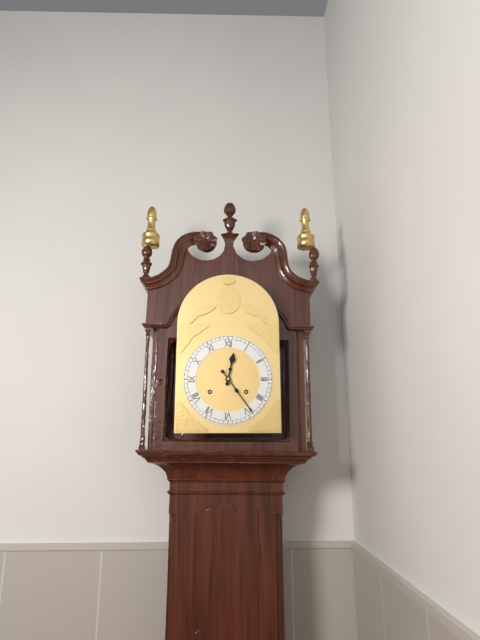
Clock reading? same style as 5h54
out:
12h24
